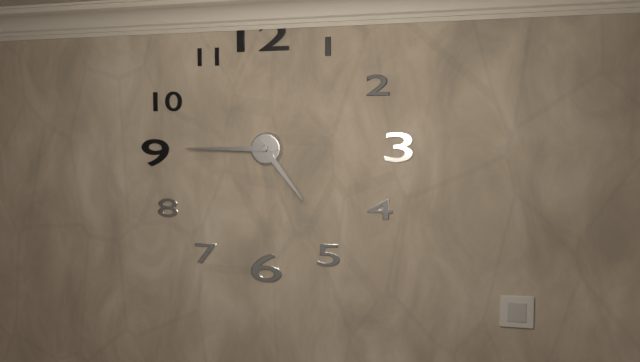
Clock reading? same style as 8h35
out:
4h45
